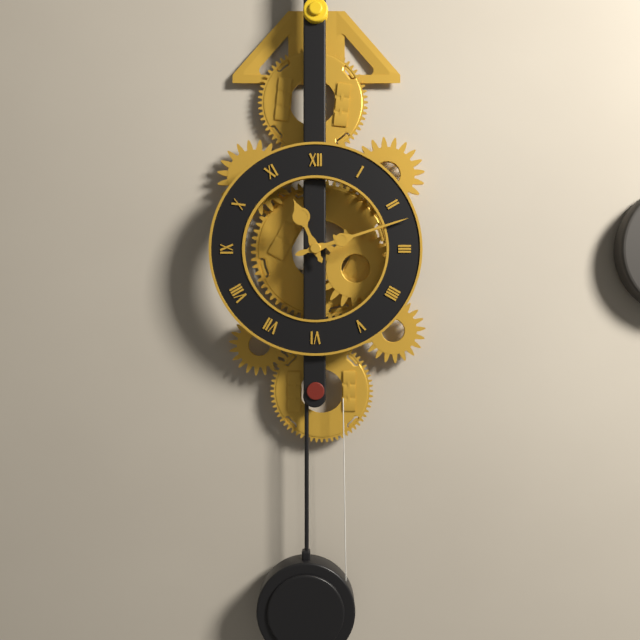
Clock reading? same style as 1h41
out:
11h12
